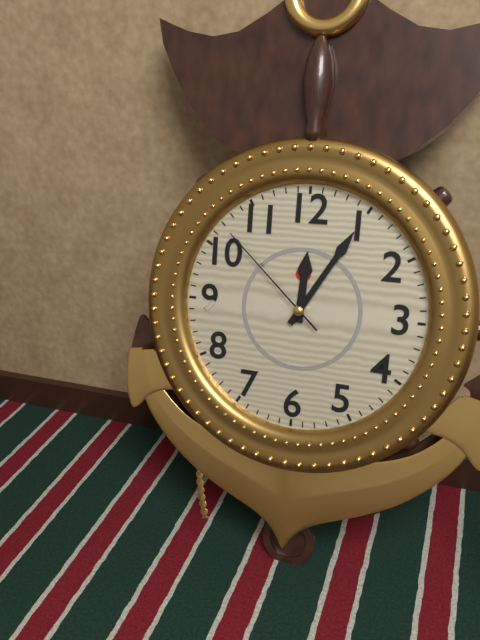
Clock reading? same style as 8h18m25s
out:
12h05m52s
